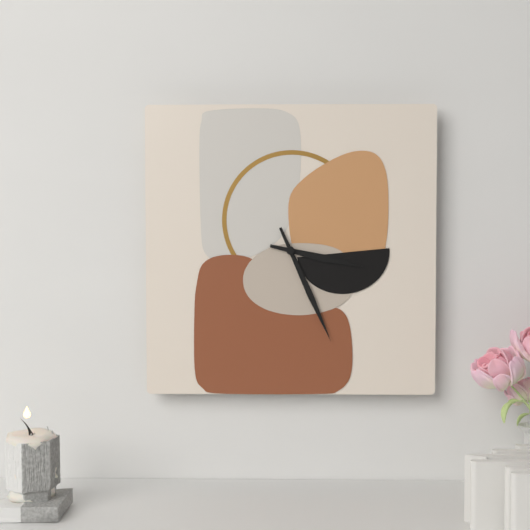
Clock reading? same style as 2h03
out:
3h26
